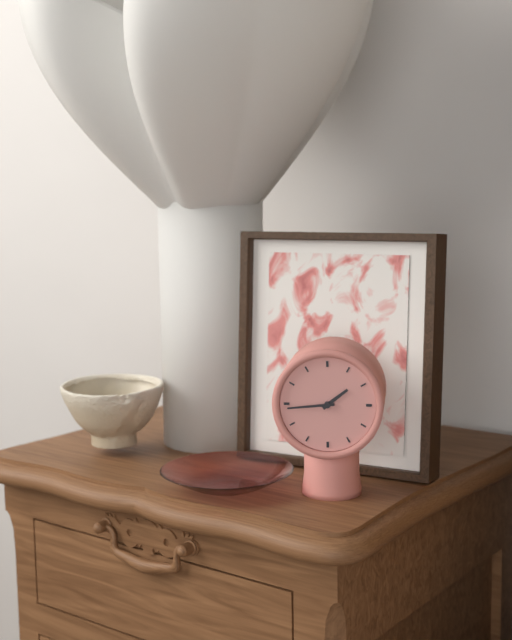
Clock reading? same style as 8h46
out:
1h44
